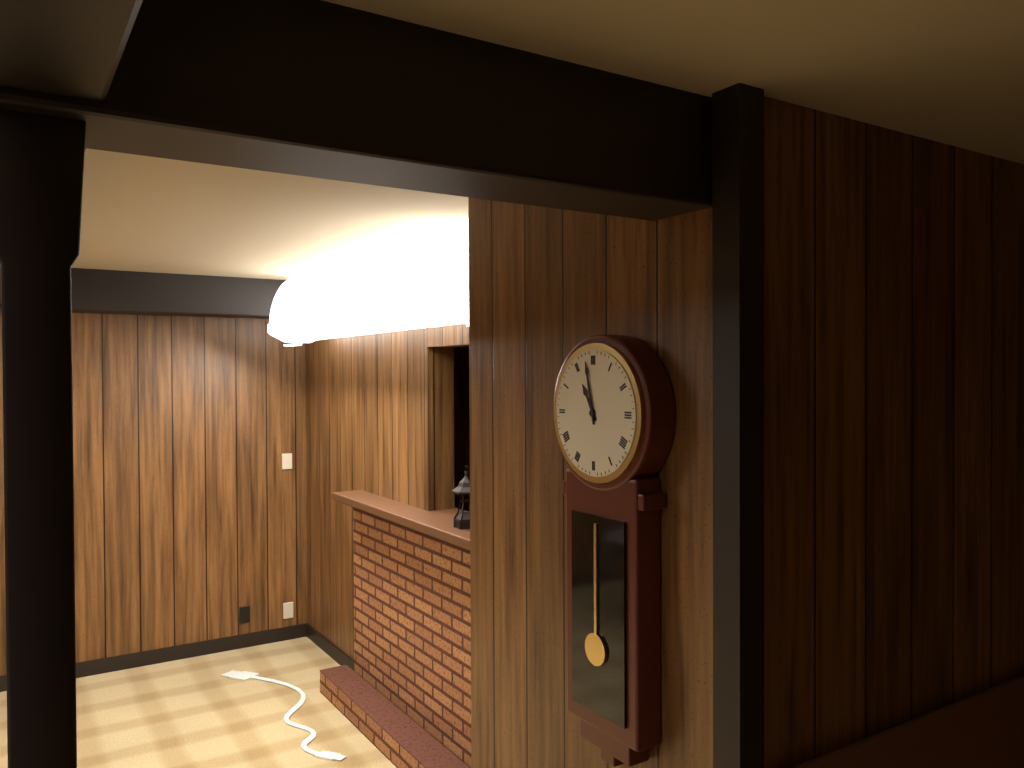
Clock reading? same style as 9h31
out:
10h58
